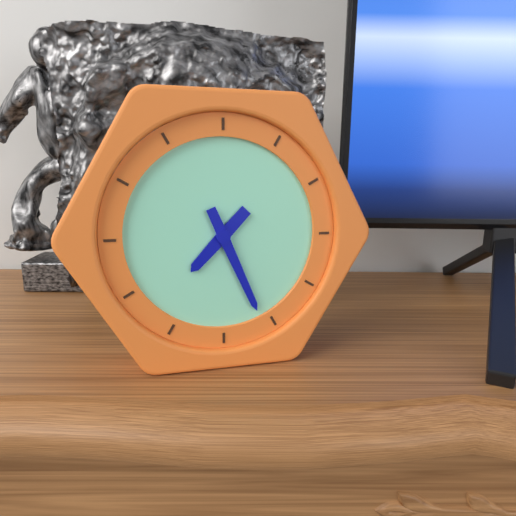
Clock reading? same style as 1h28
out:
7h26
